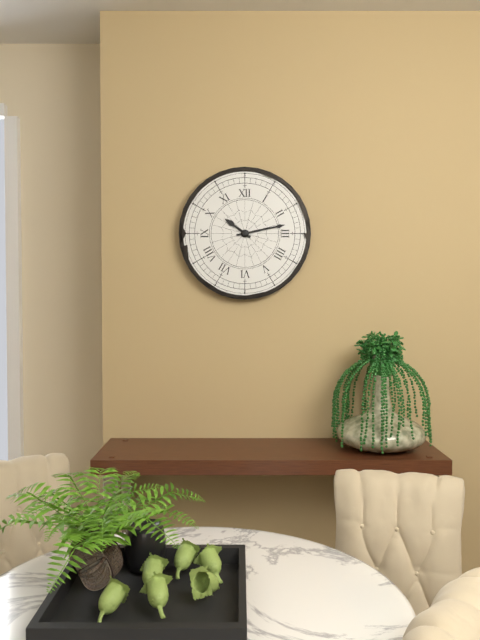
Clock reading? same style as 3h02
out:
10h13
